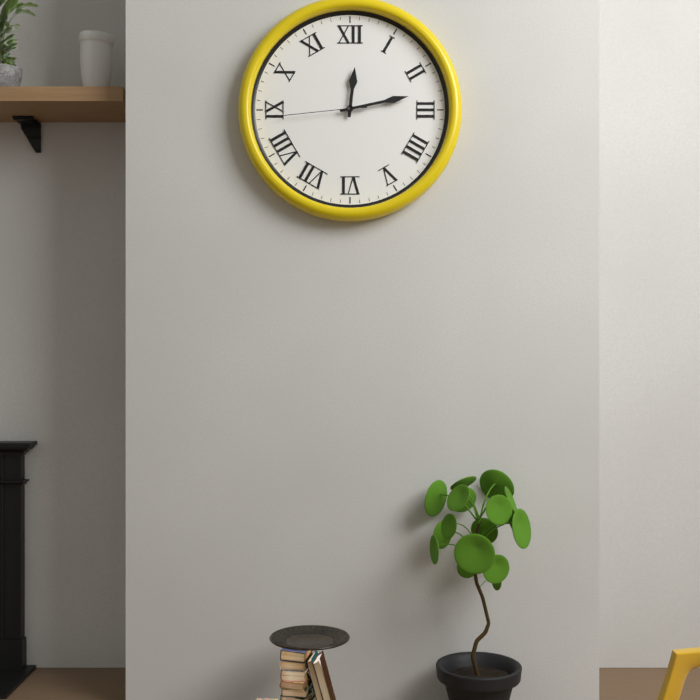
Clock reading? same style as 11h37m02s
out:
12h13m44s
